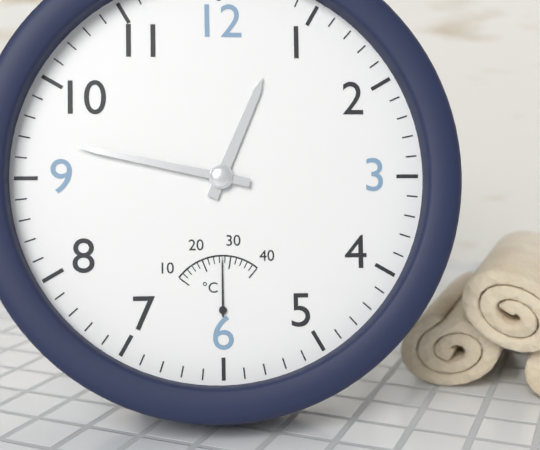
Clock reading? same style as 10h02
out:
12h47
